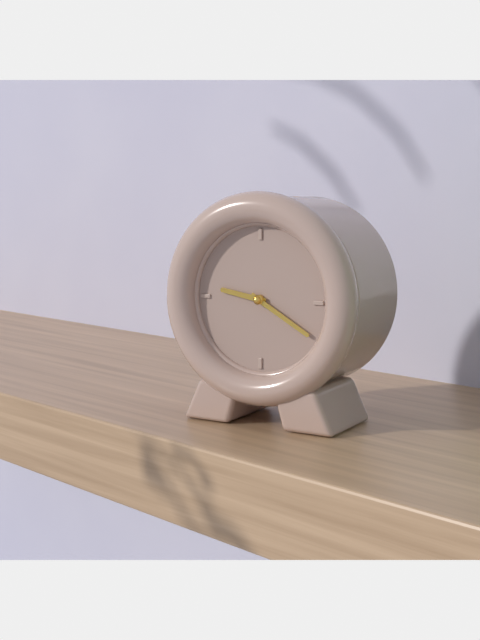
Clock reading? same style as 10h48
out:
9h20
